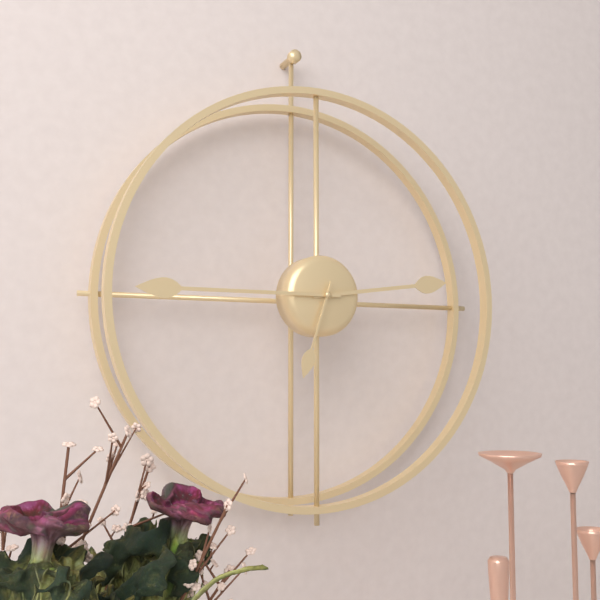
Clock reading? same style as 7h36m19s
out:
2h45m33s
